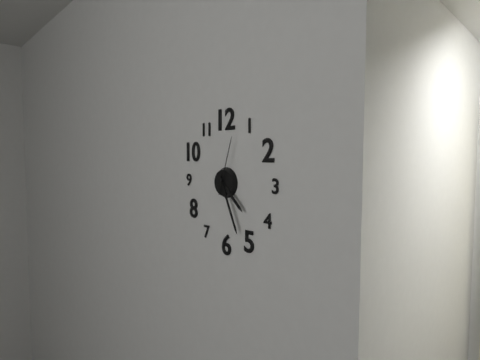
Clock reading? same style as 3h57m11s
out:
4h26m03s
